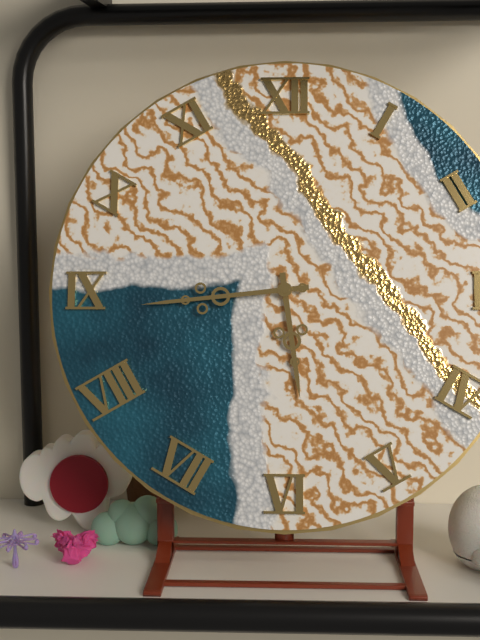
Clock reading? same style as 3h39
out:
5h44
